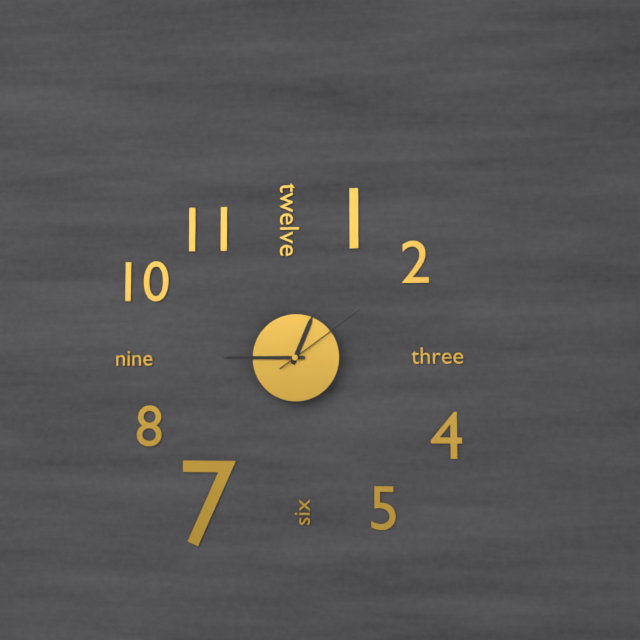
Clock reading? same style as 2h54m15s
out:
12h45m09s
